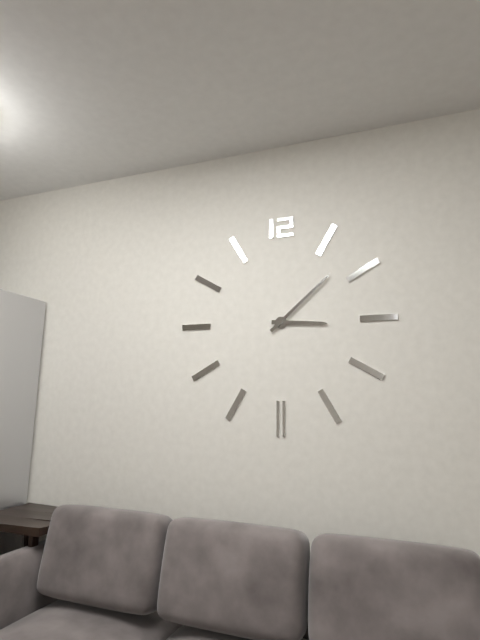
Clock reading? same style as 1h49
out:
3h08
